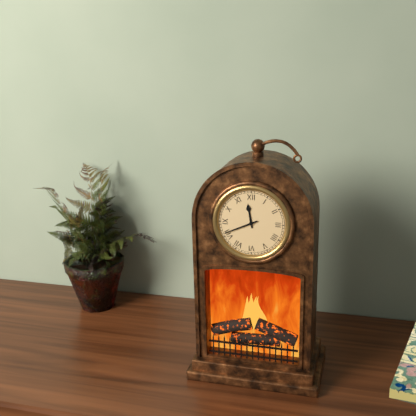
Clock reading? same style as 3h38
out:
11h41
